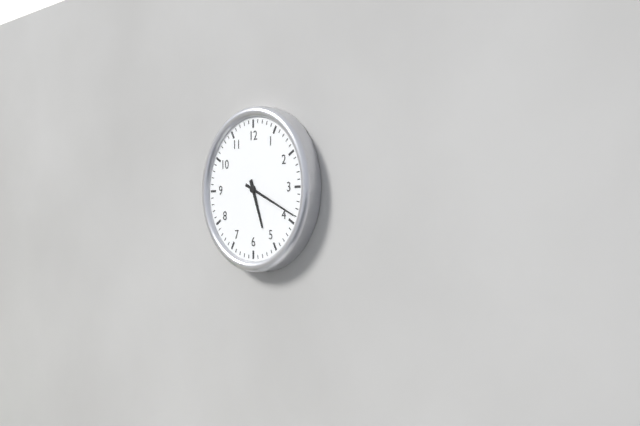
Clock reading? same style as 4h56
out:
5h19
